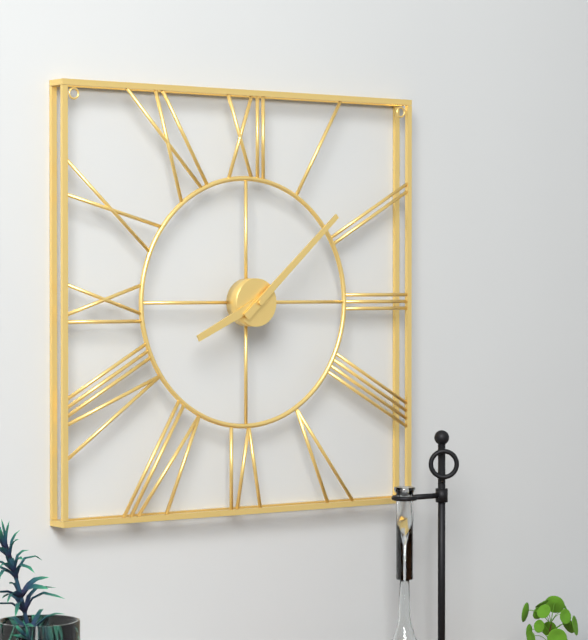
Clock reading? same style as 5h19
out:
8h08
